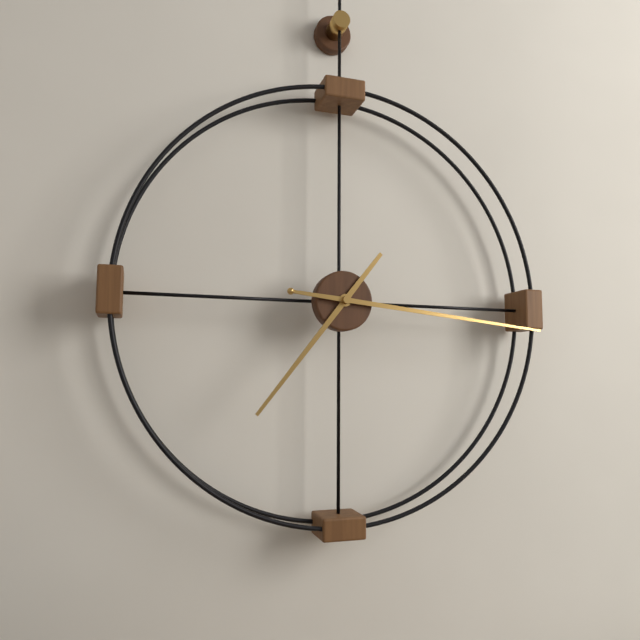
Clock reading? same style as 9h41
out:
7h16
